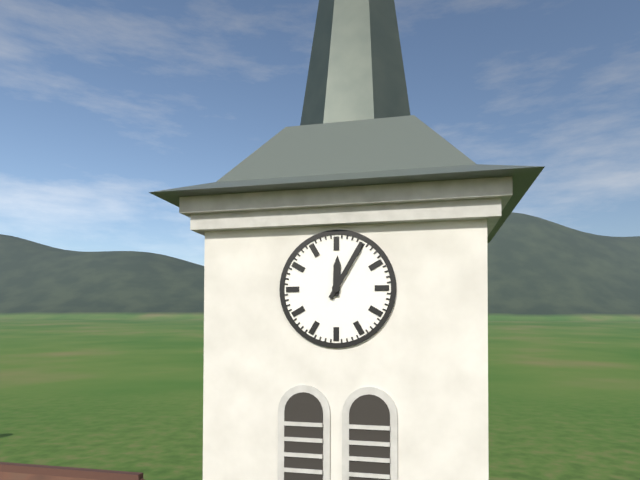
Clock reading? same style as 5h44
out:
12h05
